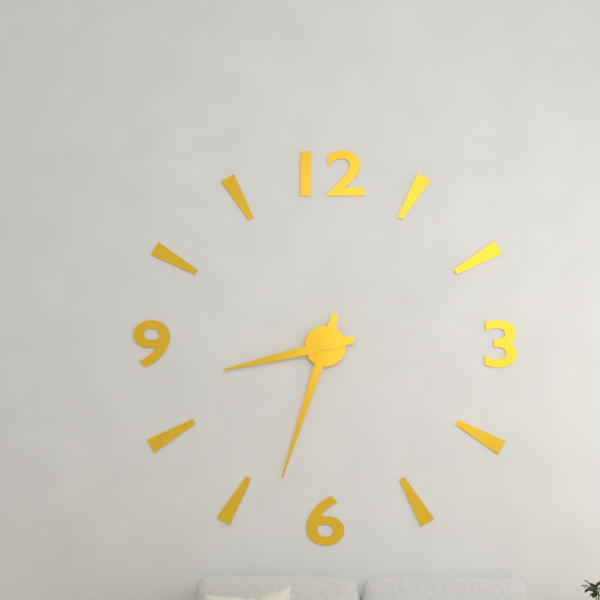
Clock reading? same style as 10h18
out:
8h33
